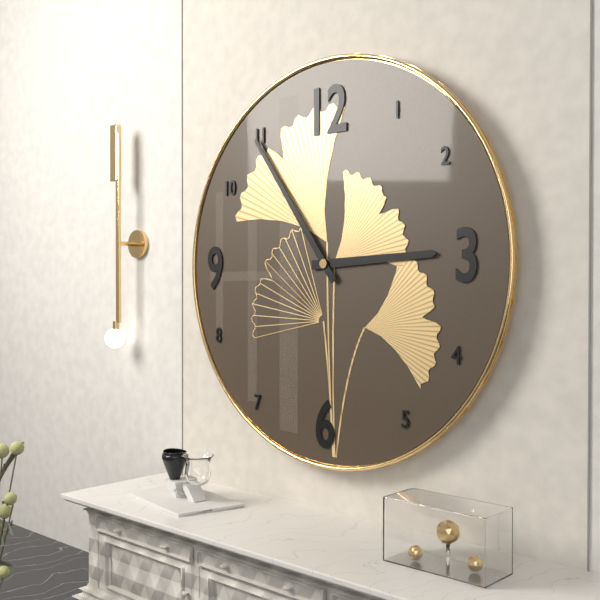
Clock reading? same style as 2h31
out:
2h54
